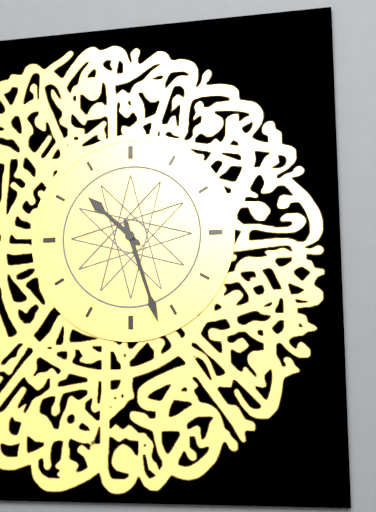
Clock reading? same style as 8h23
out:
10h27
